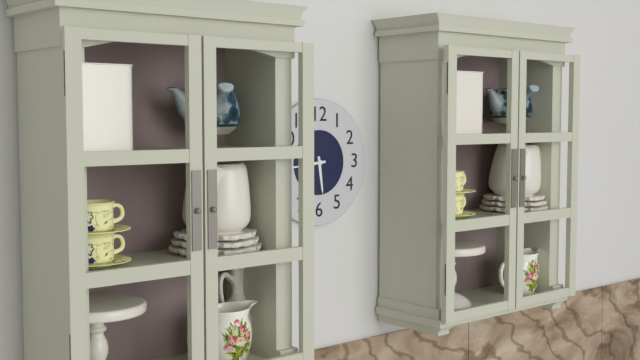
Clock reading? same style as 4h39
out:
5h44
